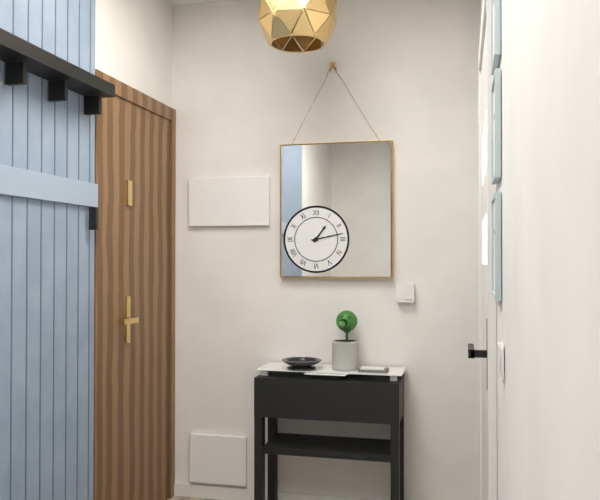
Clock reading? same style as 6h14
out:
1h13
